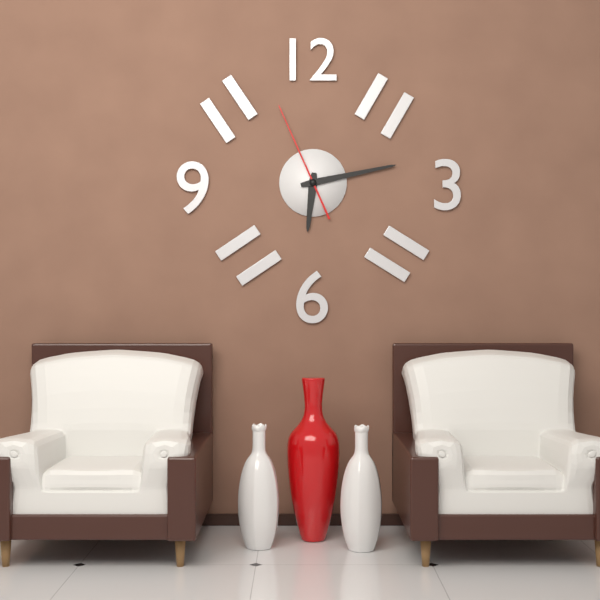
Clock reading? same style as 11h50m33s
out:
6h13m56s
